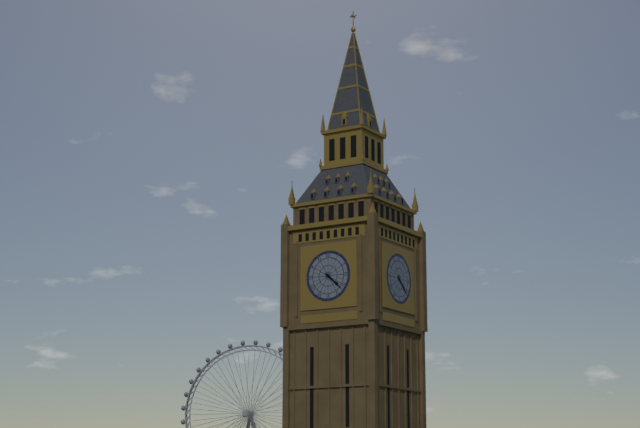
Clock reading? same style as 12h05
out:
4h22
